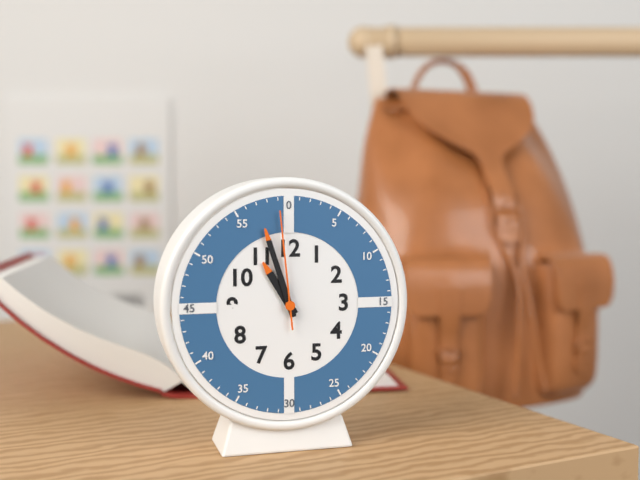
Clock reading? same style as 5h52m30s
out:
10h57m59s
